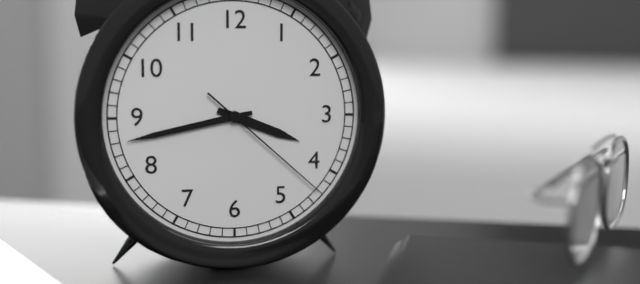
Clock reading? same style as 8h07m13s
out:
3h43m22s
